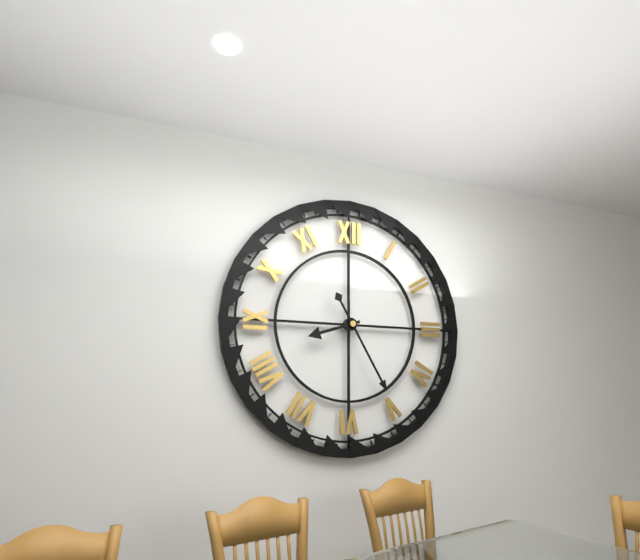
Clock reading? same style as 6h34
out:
8h25
